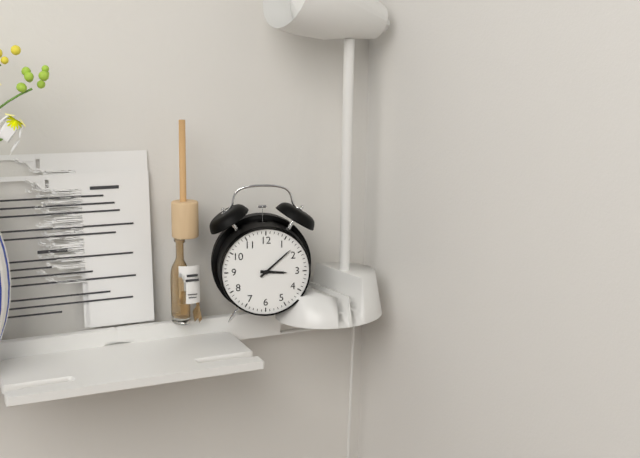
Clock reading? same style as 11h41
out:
3h08
